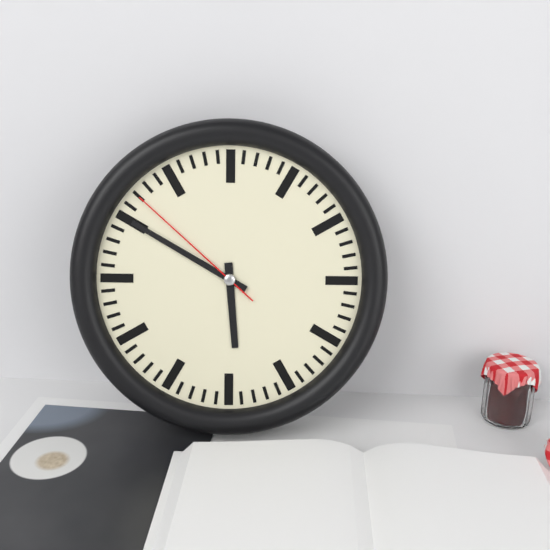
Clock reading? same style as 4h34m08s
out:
5h50m52s
